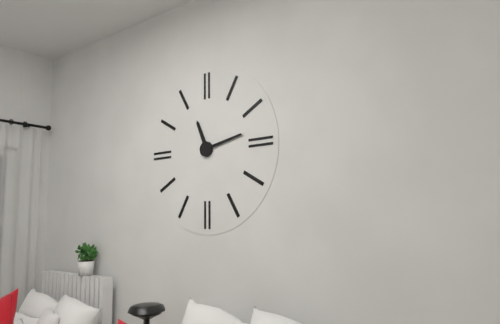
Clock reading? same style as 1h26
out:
11h13
